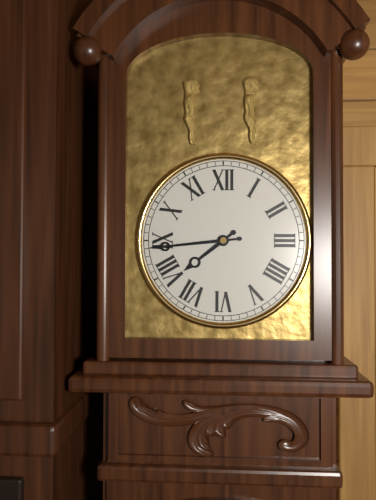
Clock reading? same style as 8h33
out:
7h44
